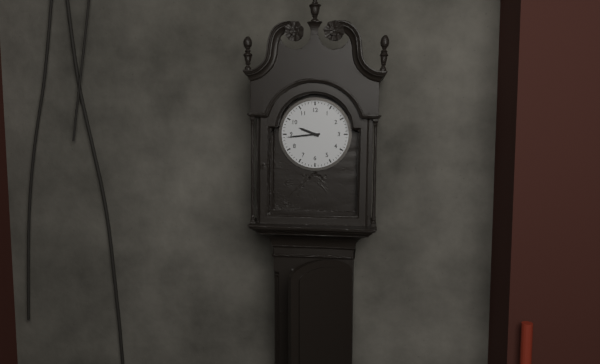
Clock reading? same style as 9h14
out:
9h44
